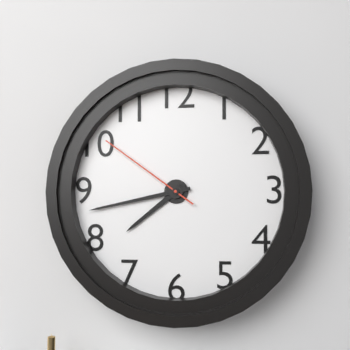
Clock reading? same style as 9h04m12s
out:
7h43m51s
